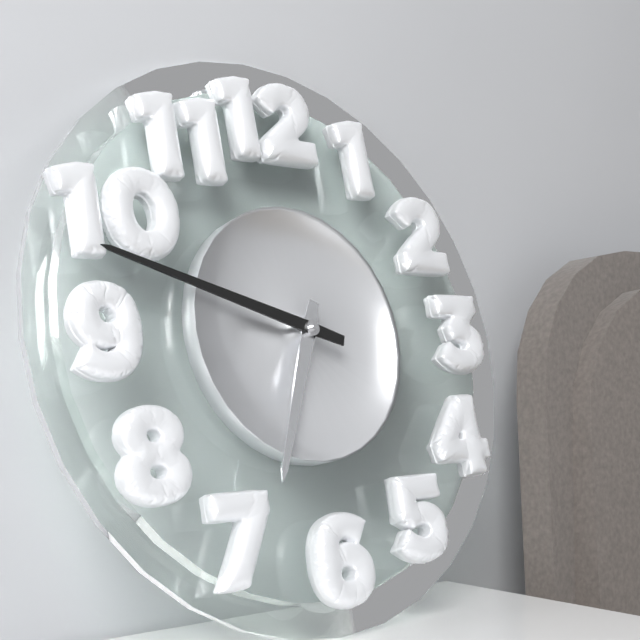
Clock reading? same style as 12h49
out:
6h48
